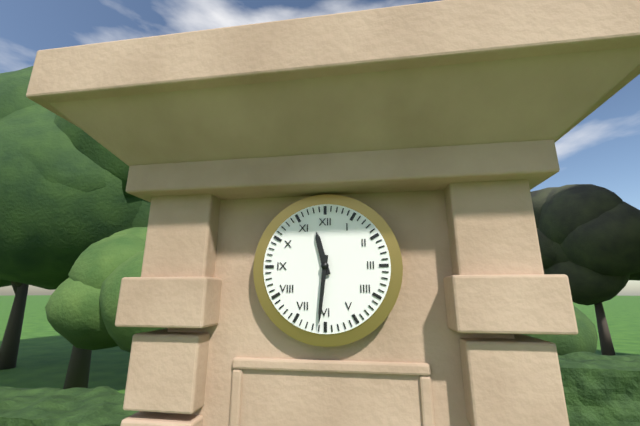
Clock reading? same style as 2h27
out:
11h31
